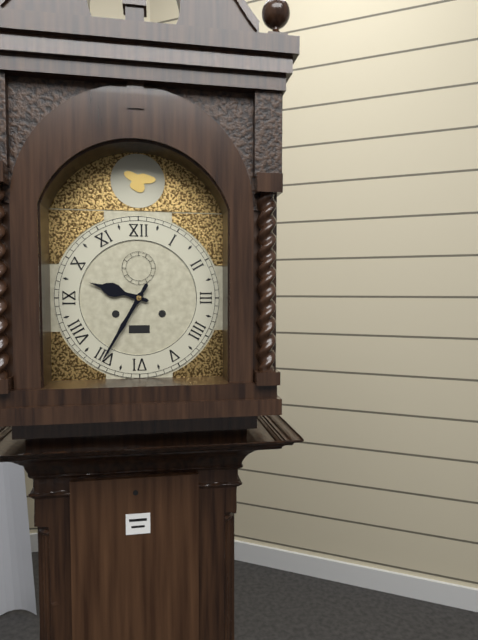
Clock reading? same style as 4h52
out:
9h35
